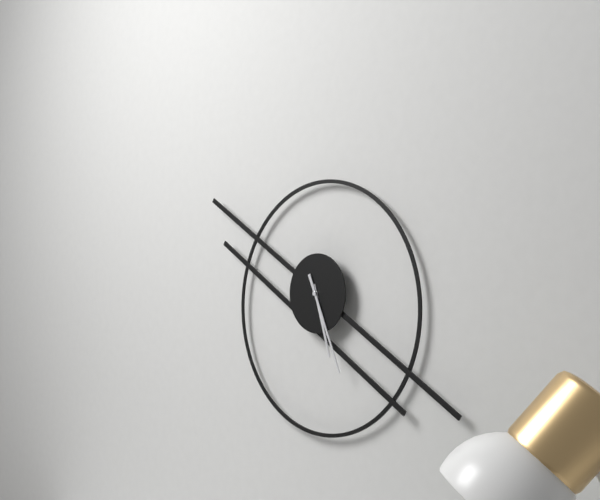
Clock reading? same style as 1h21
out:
5h26
